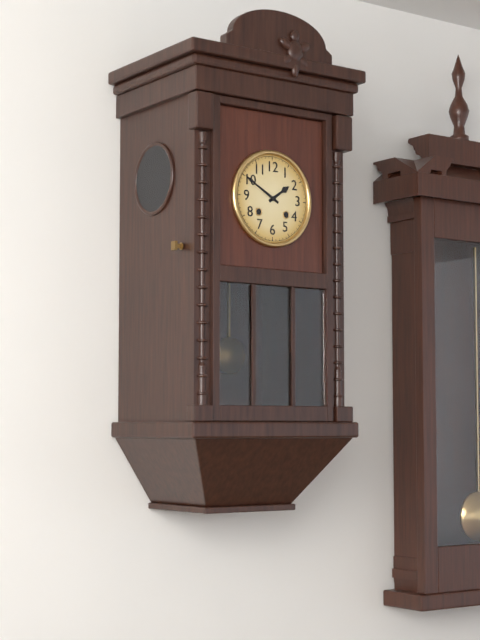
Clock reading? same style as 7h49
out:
1h50
